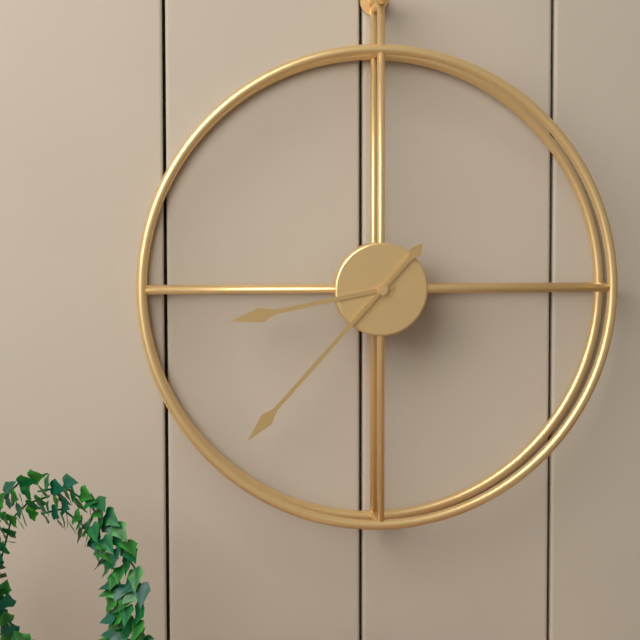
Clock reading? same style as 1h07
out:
8h37
